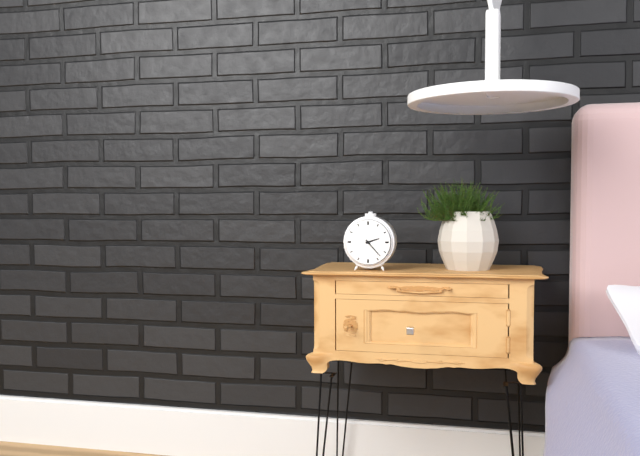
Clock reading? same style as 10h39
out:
2h23
